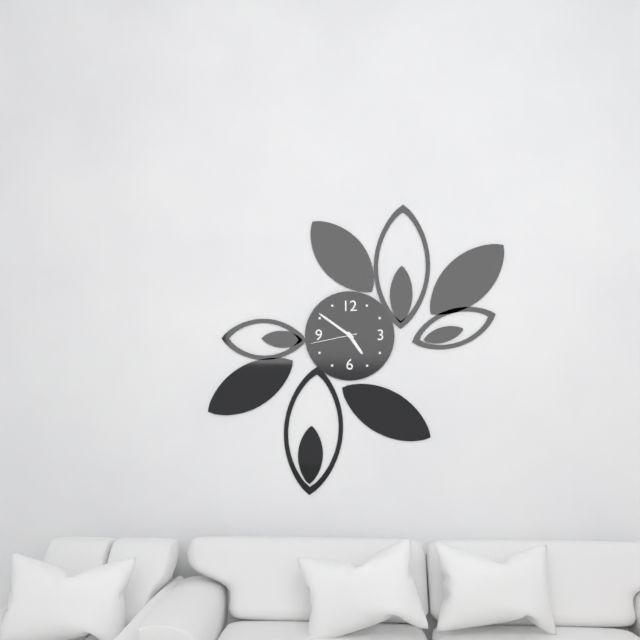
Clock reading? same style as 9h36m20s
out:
4h51m43s
